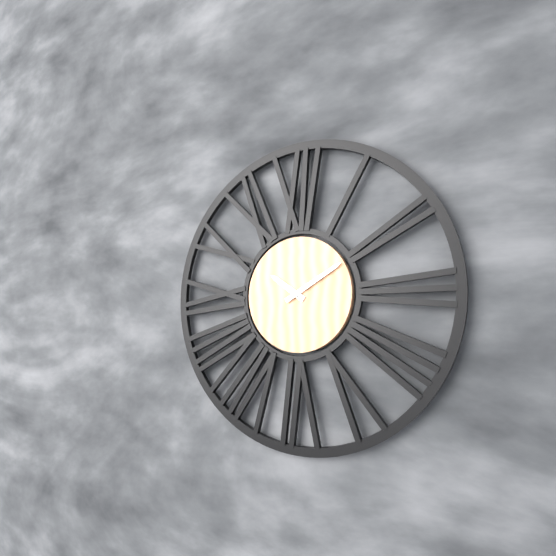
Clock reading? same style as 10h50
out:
10h10
